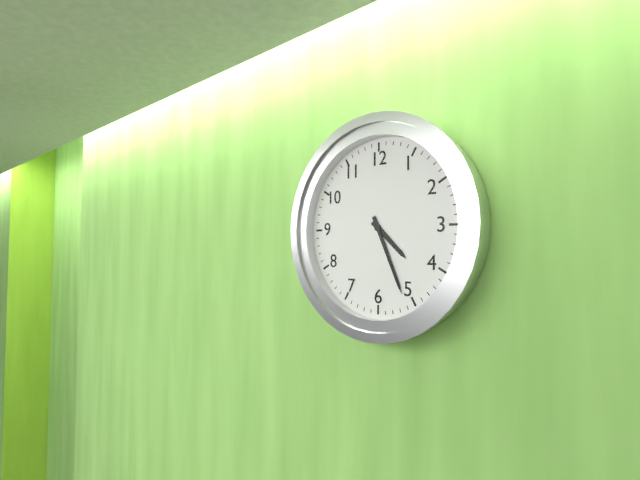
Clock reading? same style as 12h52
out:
4h26
